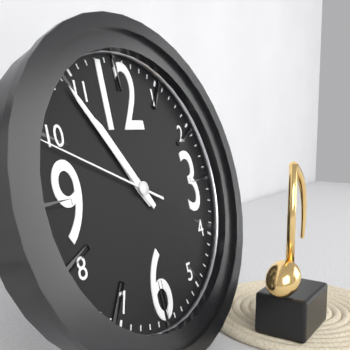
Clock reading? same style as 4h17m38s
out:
10h54m49s
